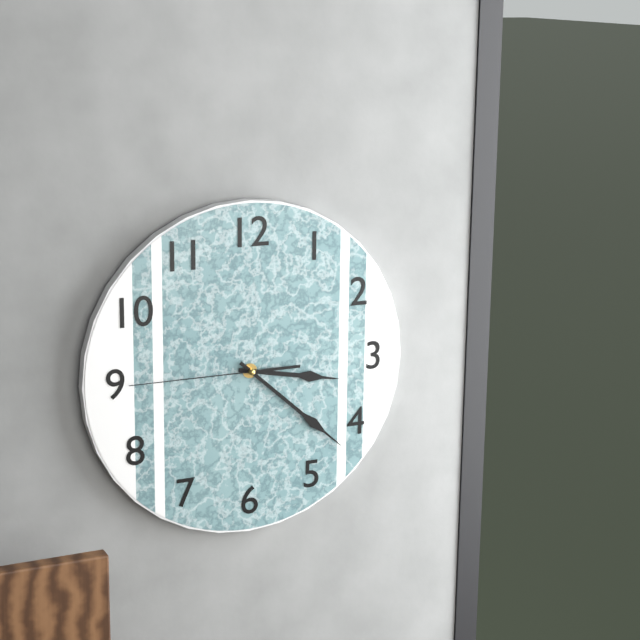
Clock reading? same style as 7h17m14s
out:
3h22m45s
